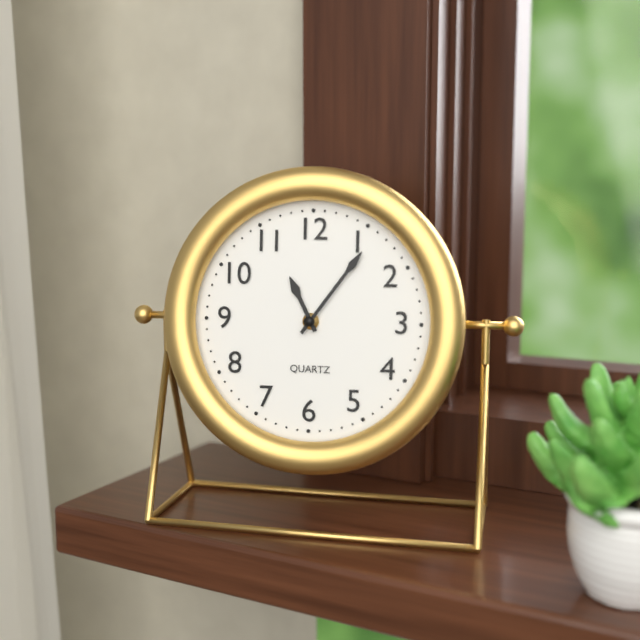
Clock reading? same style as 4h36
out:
11h06
